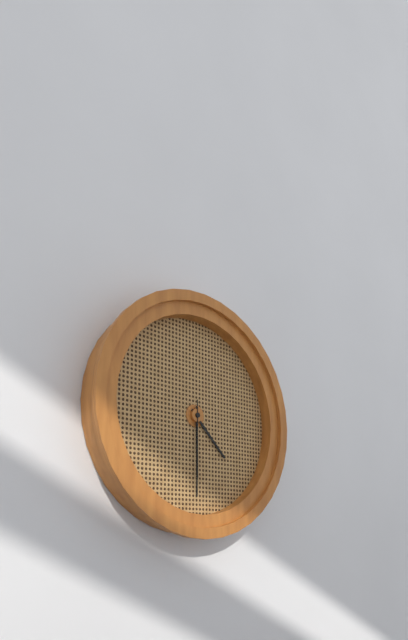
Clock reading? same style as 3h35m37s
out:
4h30m30s
